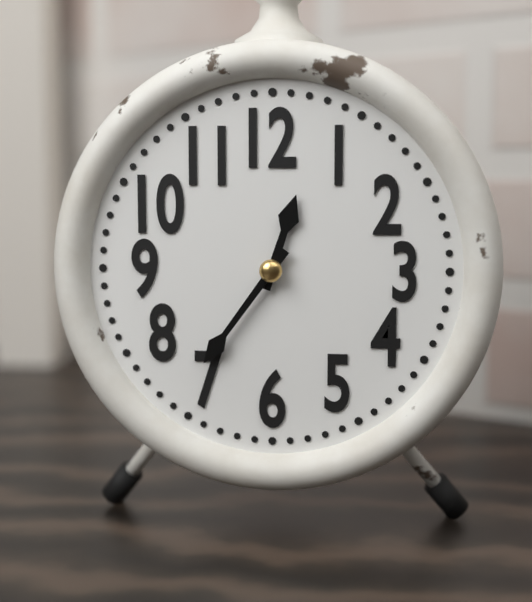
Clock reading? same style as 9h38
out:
12h36
